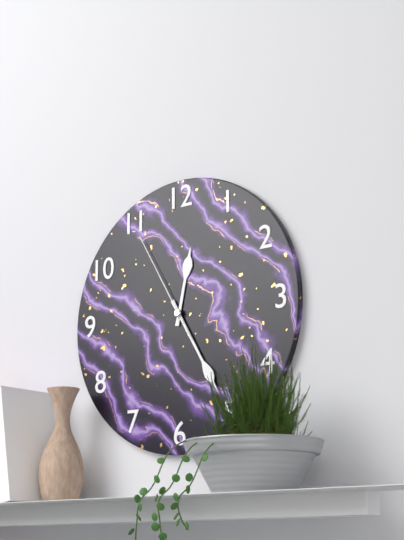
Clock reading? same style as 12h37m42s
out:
12h25m55s
